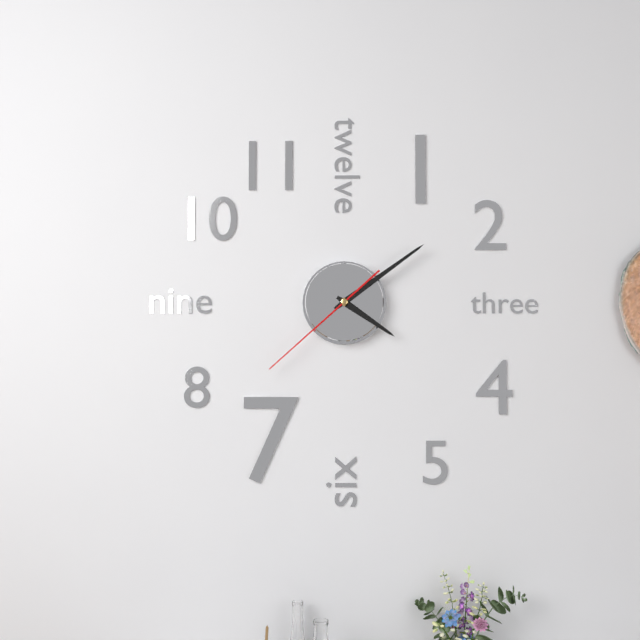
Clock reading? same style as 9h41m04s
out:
4h09m38s
